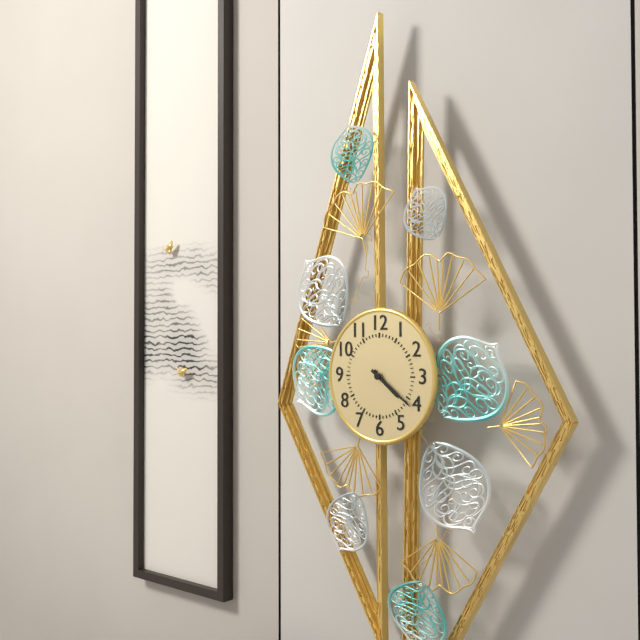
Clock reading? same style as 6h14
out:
4h21
